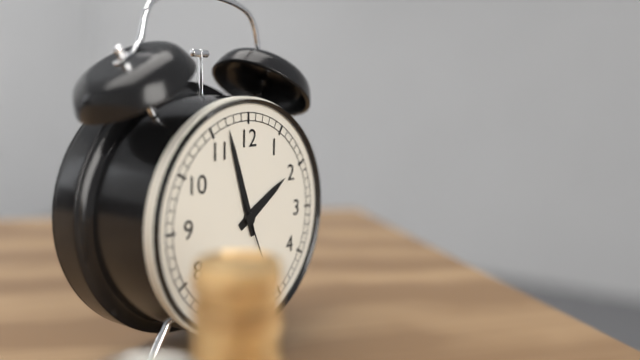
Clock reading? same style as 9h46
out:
1h57
